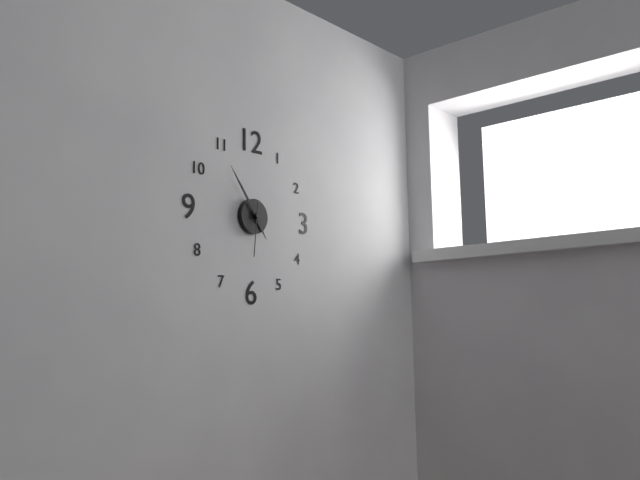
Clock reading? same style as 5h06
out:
4h54
